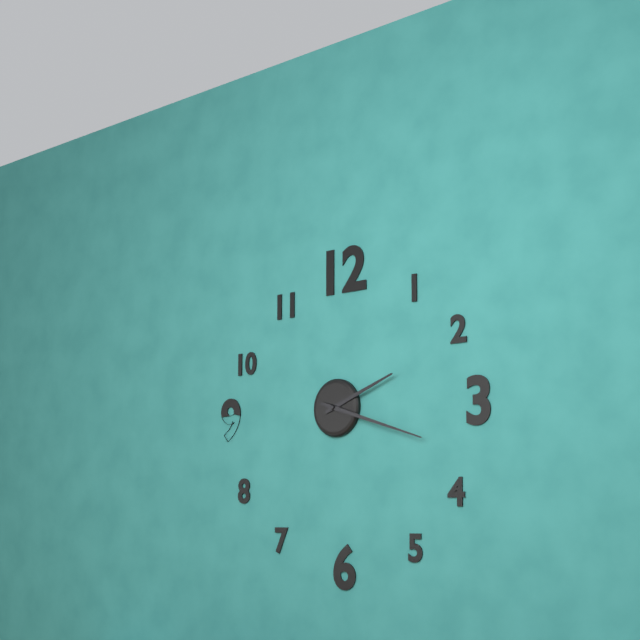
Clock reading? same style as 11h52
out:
2h18
